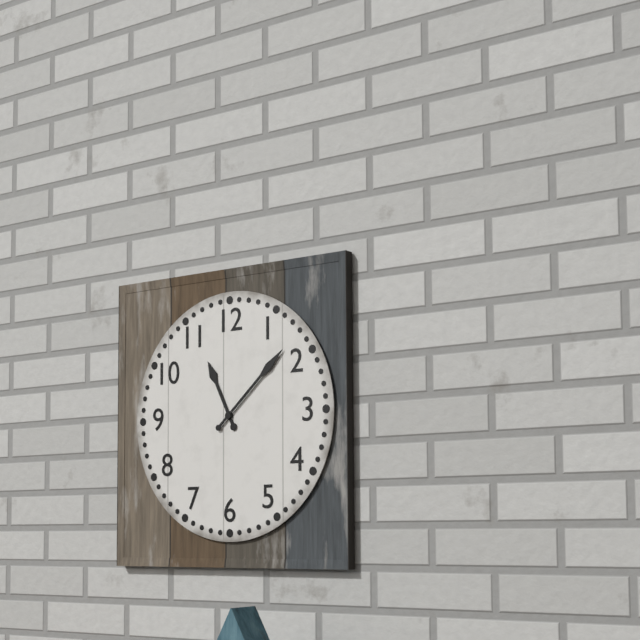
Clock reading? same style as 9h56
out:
11h08
